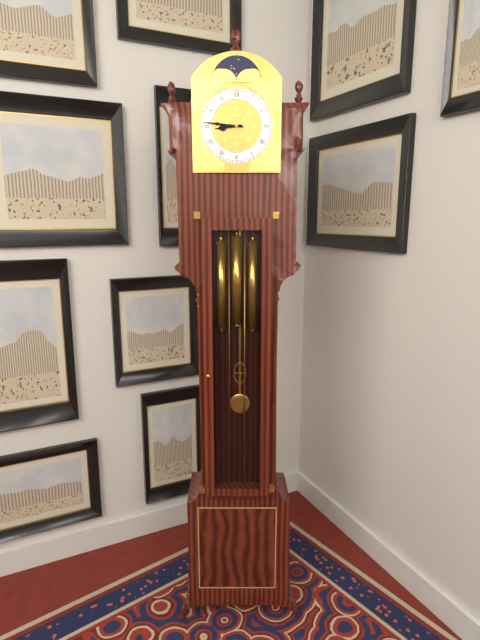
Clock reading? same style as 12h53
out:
8h46
